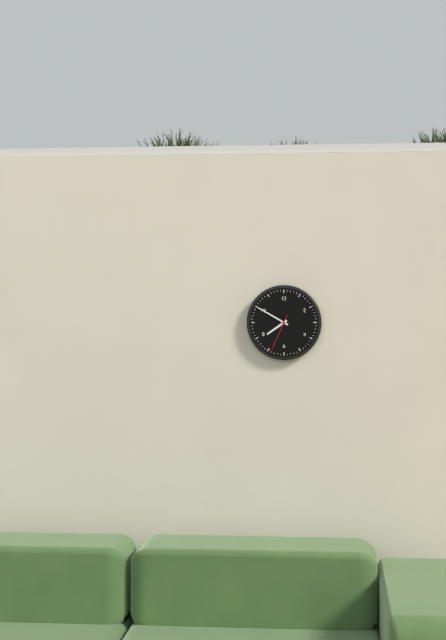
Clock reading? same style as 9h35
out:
7h50
